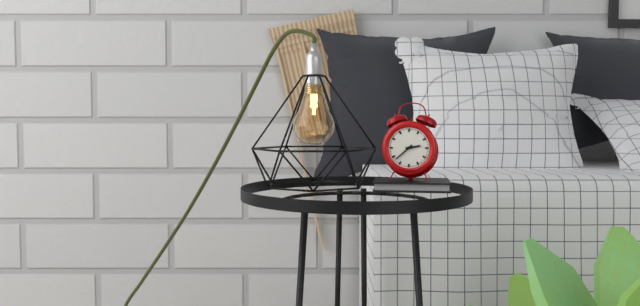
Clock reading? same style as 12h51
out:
2h38
